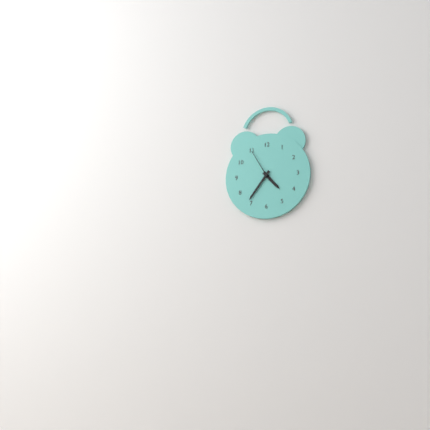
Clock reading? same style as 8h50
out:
4h36
